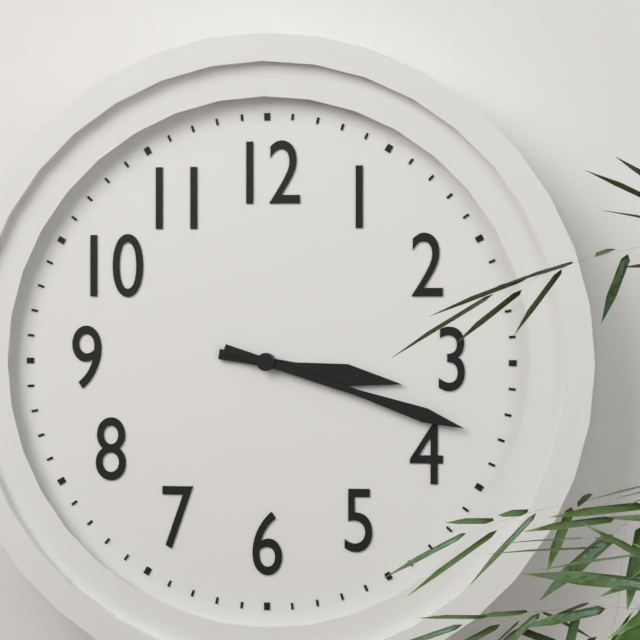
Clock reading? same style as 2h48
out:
3h18
